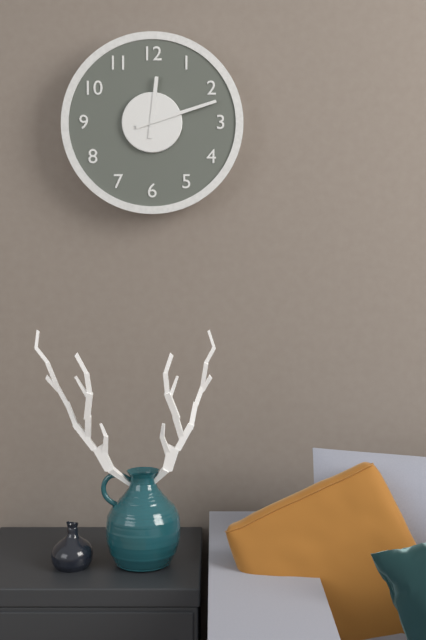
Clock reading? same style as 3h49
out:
12h12
